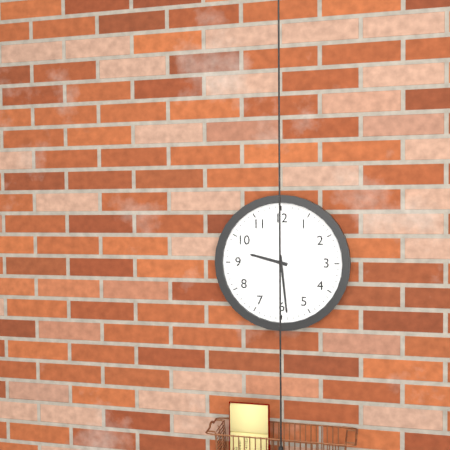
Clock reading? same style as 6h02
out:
9h29
